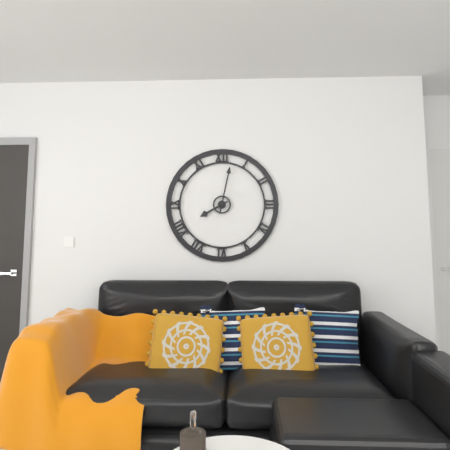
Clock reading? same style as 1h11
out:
8h02
